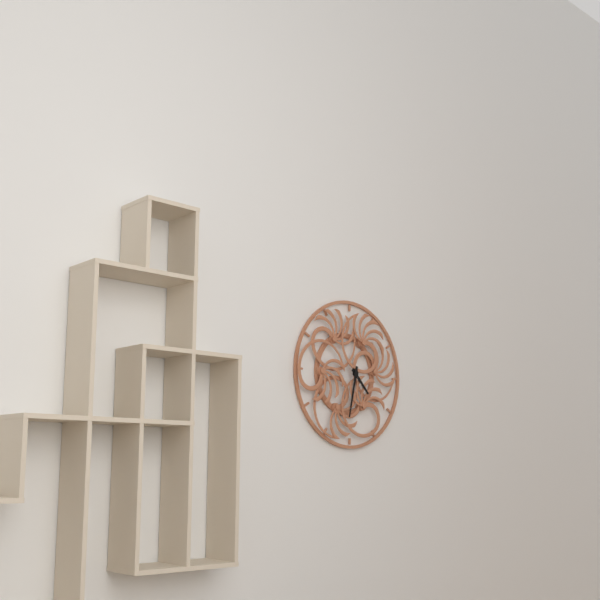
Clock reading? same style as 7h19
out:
4h32
